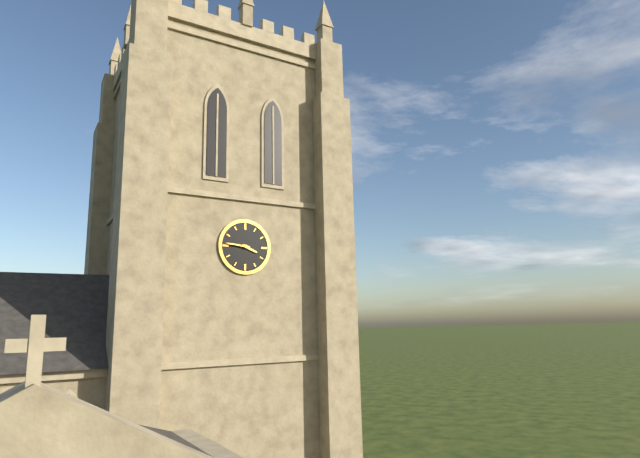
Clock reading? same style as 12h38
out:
3h46
